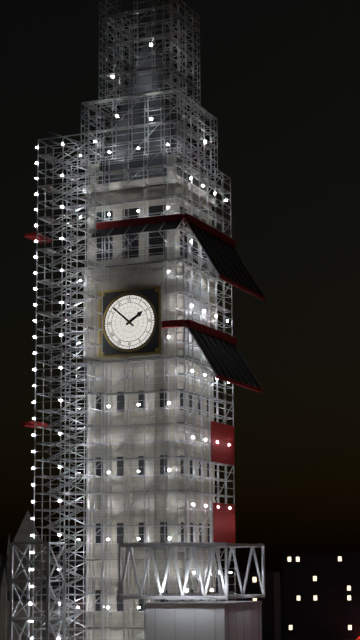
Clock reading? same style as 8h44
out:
1h52
